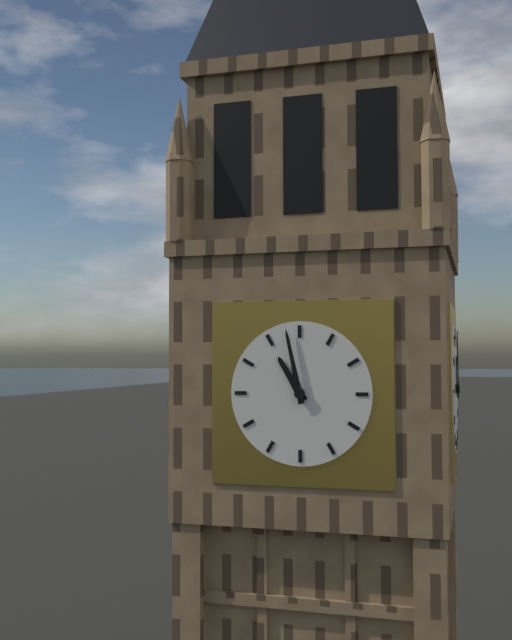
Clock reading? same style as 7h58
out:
10h58
